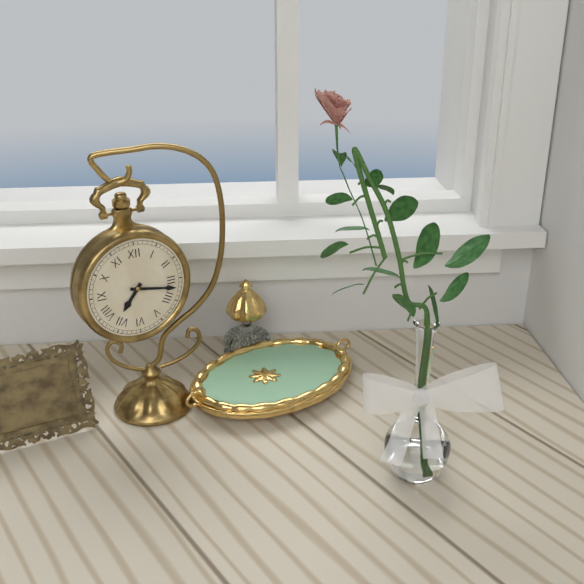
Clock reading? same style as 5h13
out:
7h17
